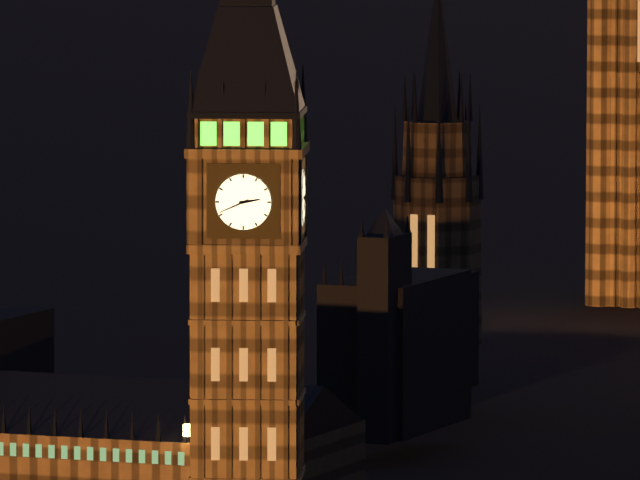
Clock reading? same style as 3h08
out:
2h41
